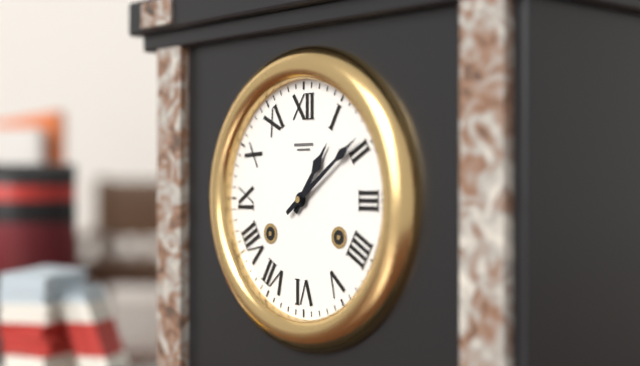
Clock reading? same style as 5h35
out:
1h09
